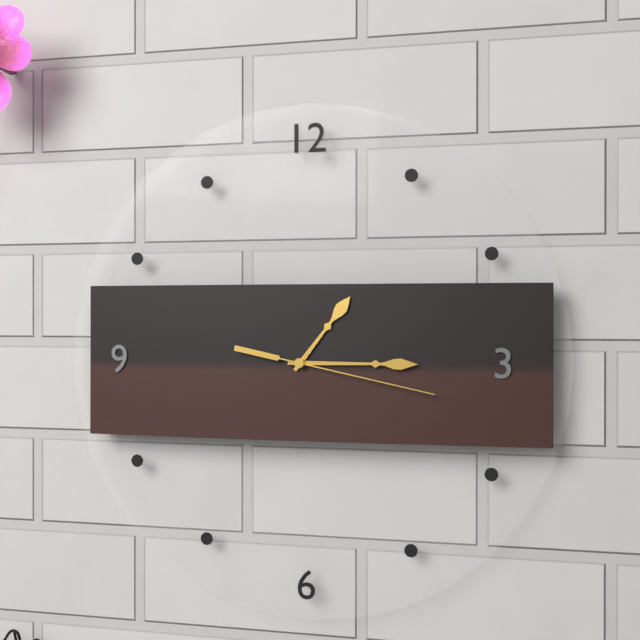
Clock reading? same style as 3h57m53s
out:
1h15m17s
